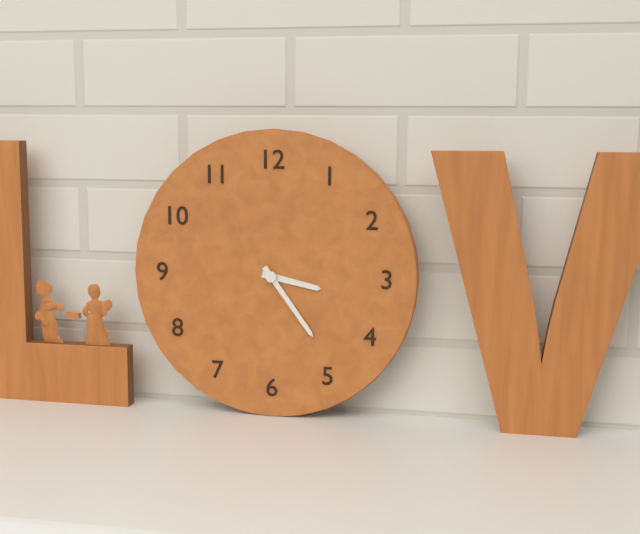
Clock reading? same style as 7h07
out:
3h24
